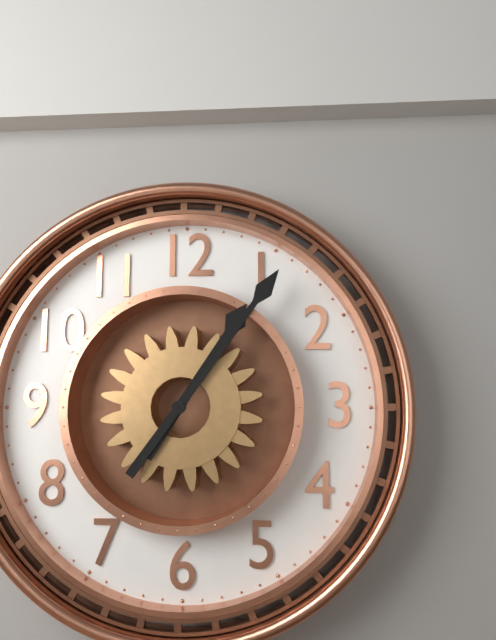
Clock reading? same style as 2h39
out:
1h06
